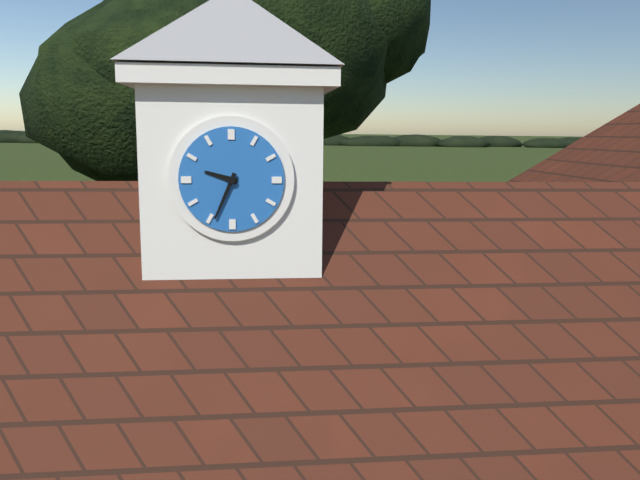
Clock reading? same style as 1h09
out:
9h34
